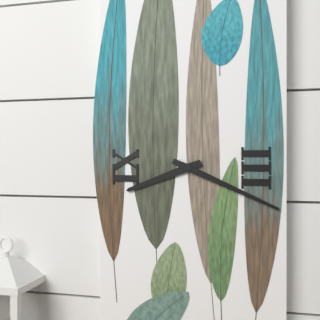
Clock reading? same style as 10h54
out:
8h19
